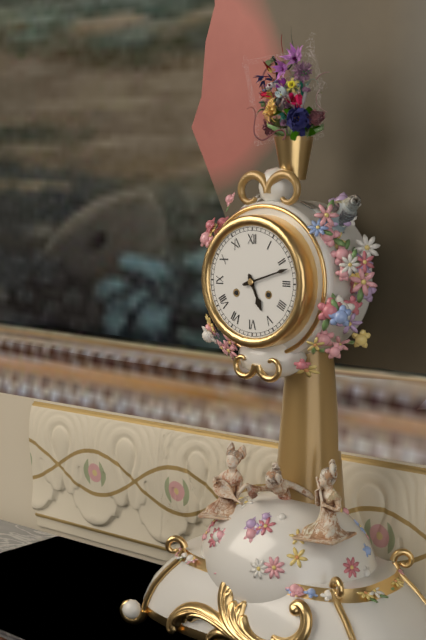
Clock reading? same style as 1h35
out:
5h12
